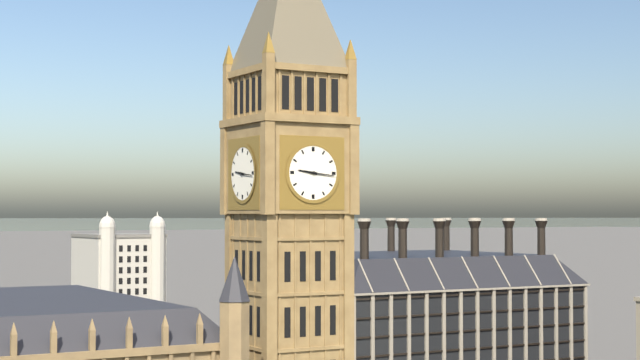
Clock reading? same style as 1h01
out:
9h16
